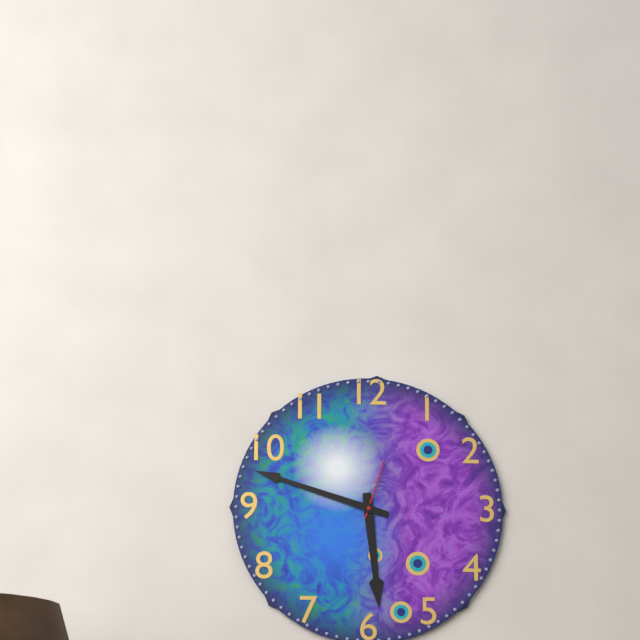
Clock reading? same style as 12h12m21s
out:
5h48m03s
